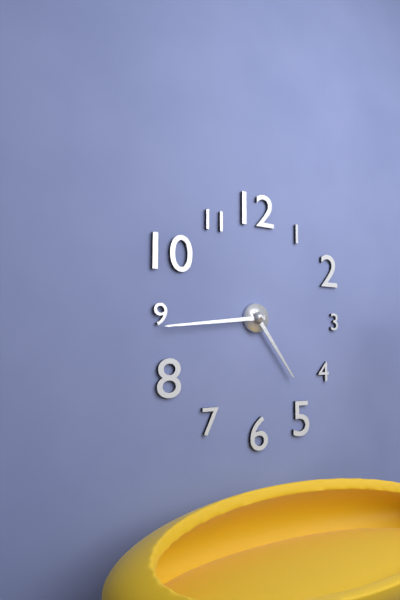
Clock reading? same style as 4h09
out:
4h44
